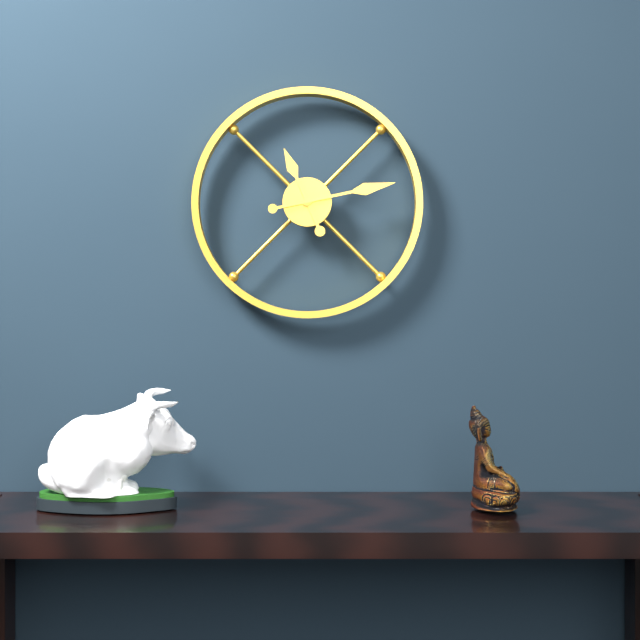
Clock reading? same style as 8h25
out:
11h13
